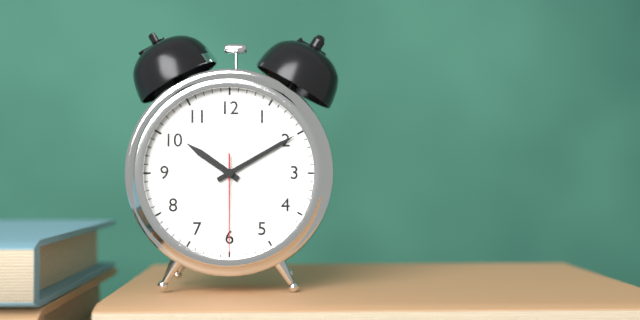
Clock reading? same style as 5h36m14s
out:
10h10m30s
